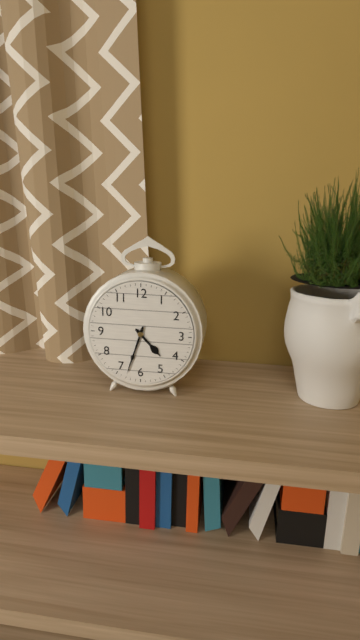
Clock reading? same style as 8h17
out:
4h33
